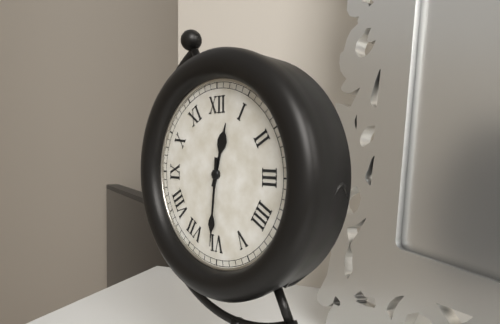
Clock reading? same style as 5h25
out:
12h31
